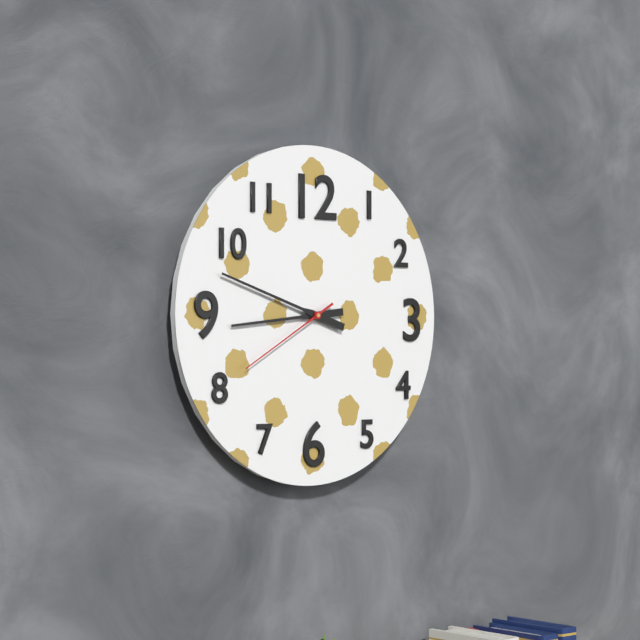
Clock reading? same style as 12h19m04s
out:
8h48m40s
